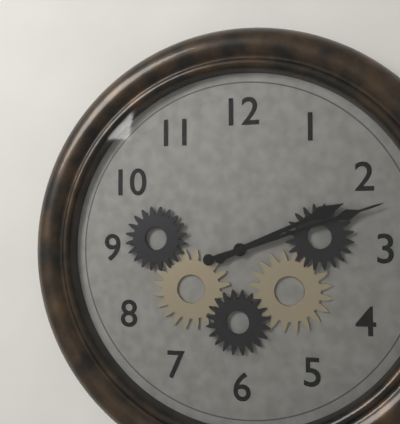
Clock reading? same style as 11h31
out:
2h12
